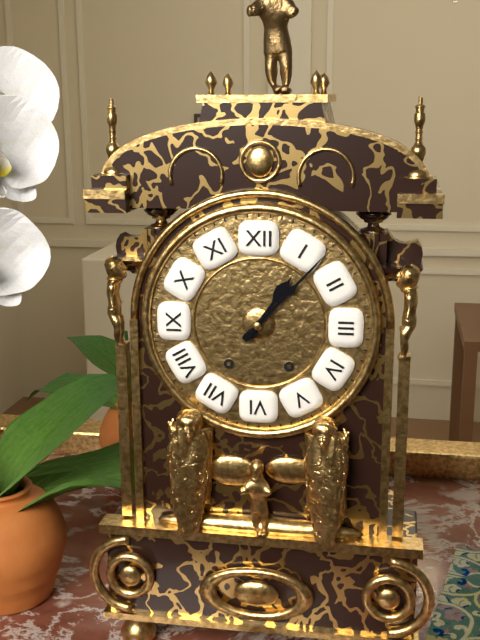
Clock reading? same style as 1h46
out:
1h07
